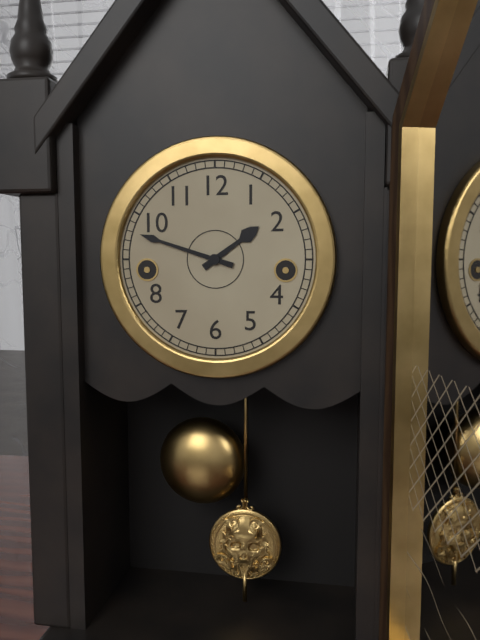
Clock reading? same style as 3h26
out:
1h48
